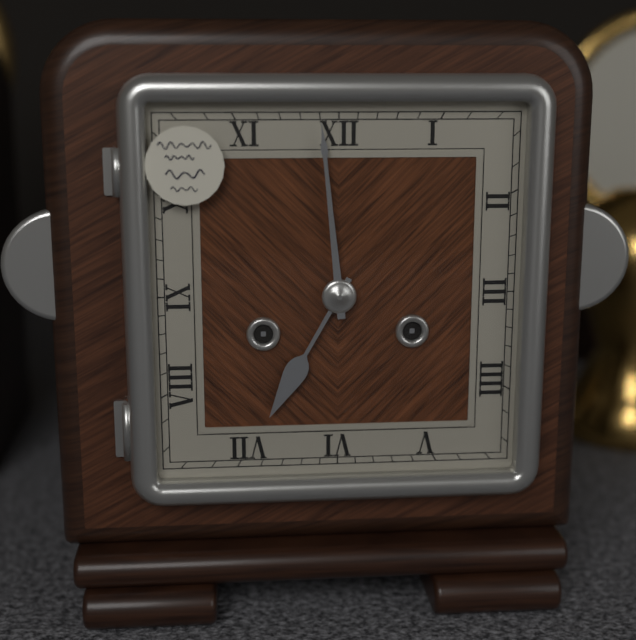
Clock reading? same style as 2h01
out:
6h59
